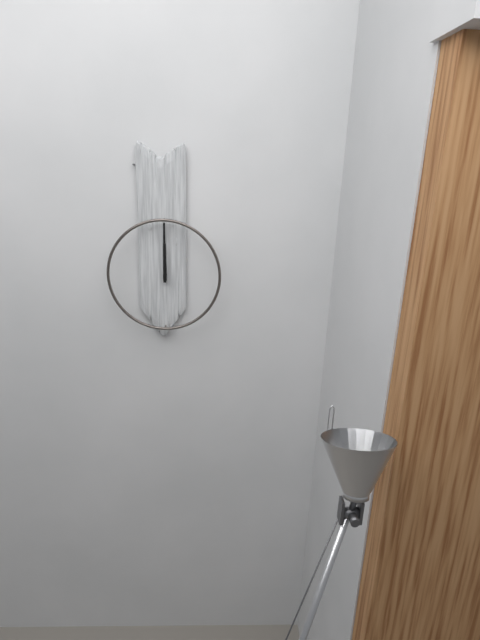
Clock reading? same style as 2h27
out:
12h00
